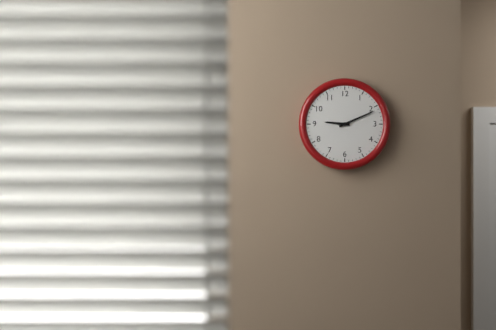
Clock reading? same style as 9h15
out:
9h11
